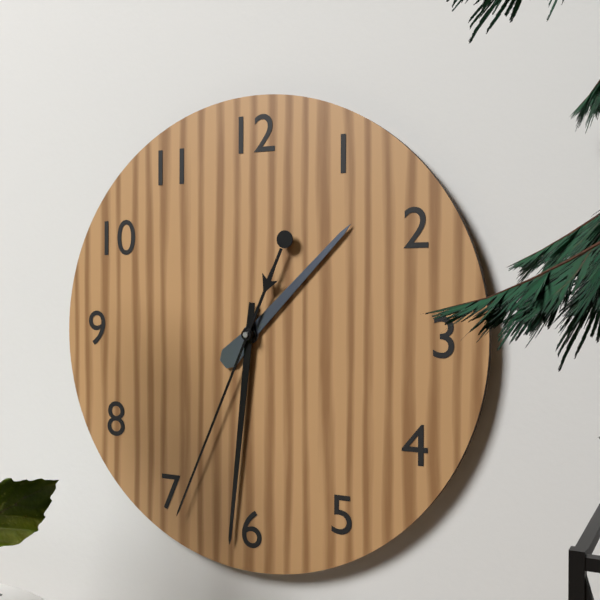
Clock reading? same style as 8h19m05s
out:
1h31m34s
